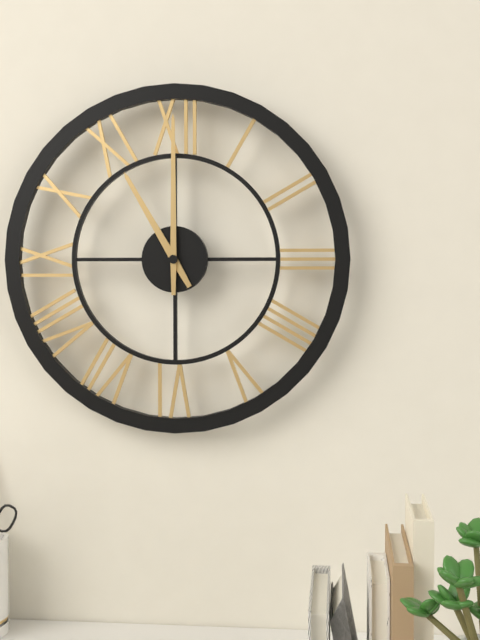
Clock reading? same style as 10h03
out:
11h00
